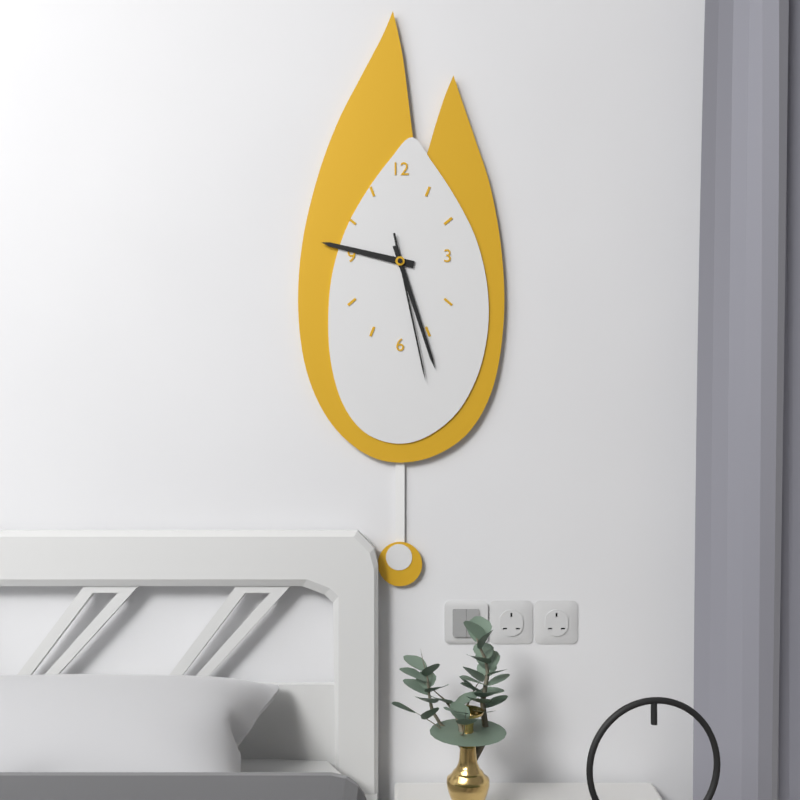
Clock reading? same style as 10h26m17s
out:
9h27m28s
